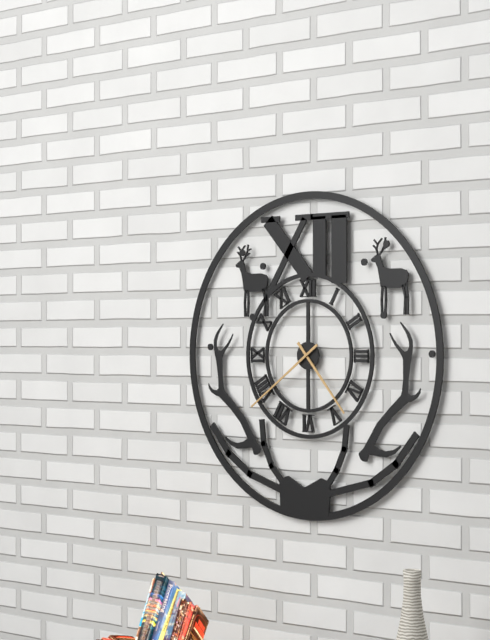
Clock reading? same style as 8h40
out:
4h39
